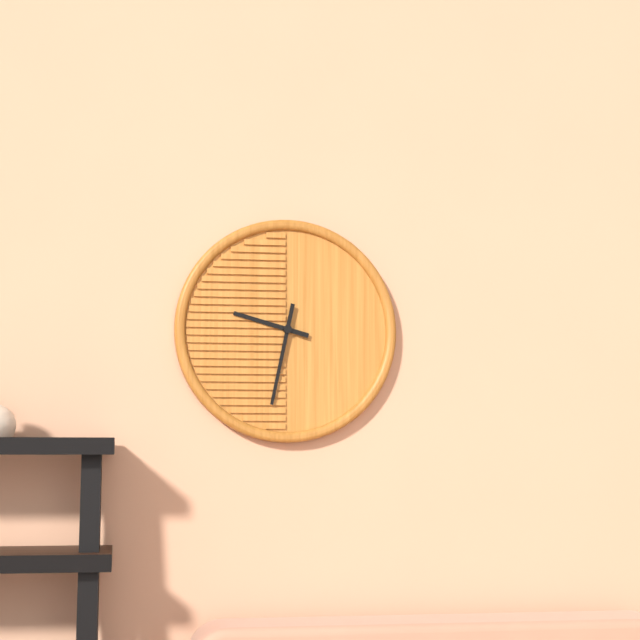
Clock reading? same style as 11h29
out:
9h32
